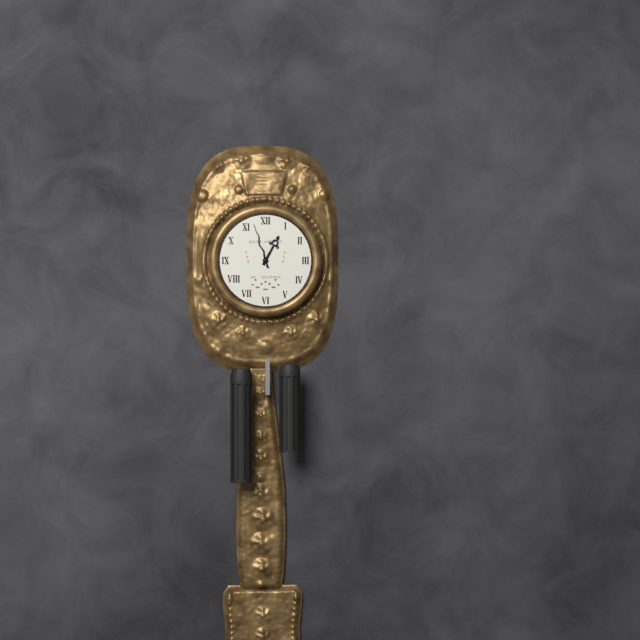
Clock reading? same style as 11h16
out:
12h57
